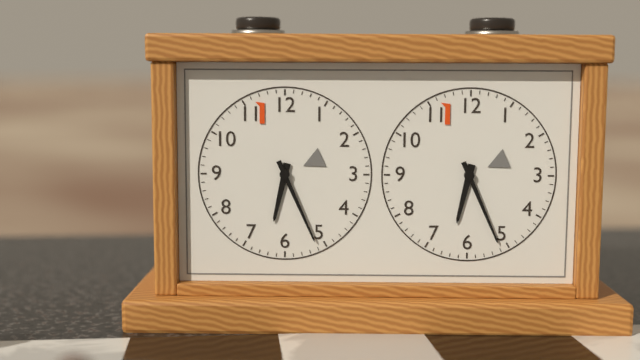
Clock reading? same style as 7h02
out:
6h26
